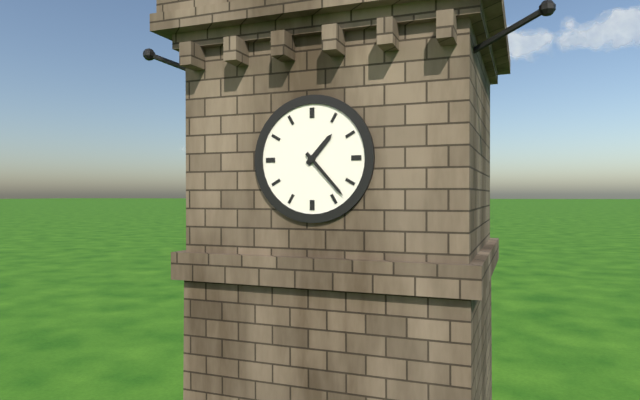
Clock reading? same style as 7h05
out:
1h23
